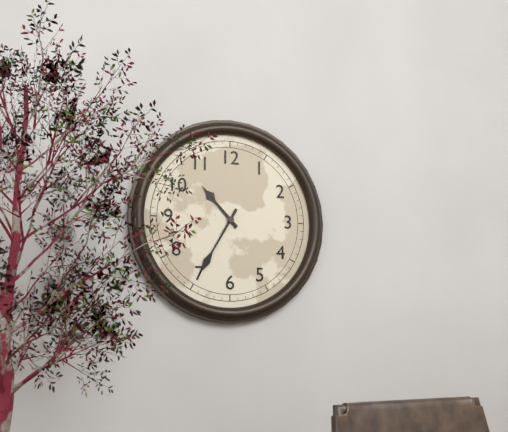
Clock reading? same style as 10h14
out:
10h35
